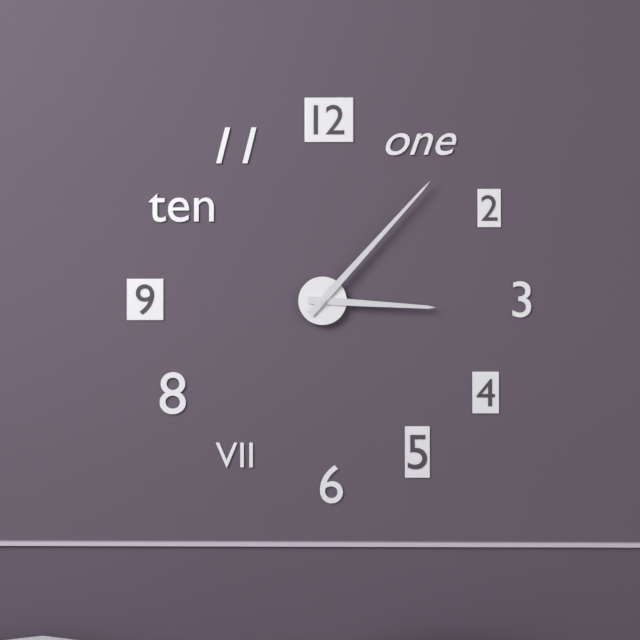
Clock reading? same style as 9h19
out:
3h07
